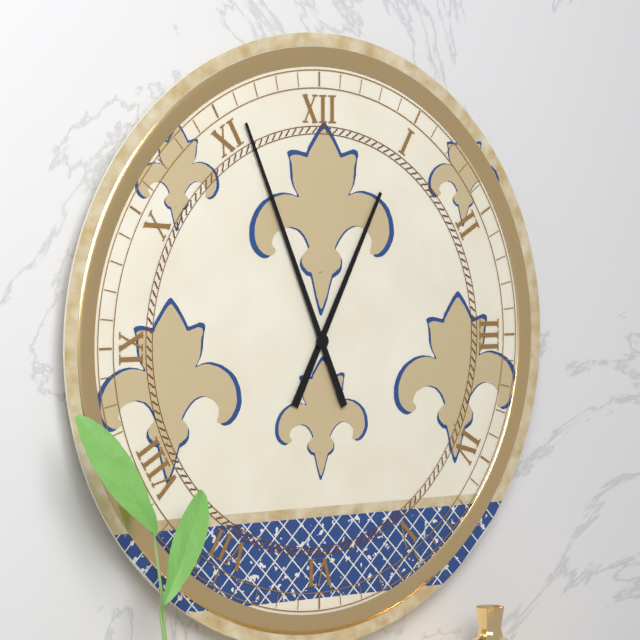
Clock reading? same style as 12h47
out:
12h56
